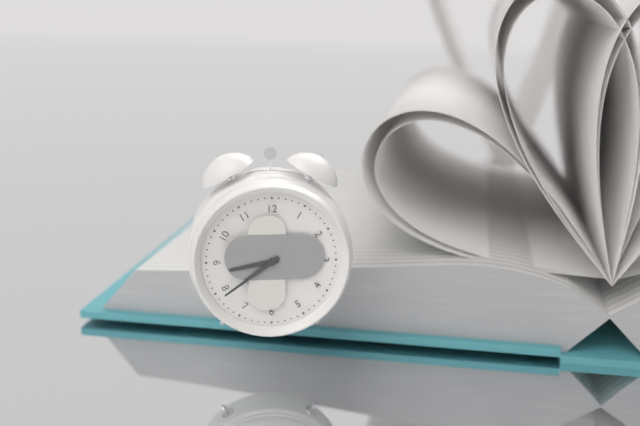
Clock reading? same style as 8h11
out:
8h39
